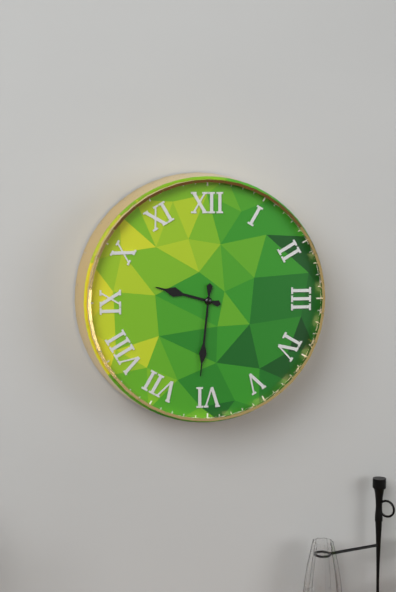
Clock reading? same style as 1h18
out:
9h31
